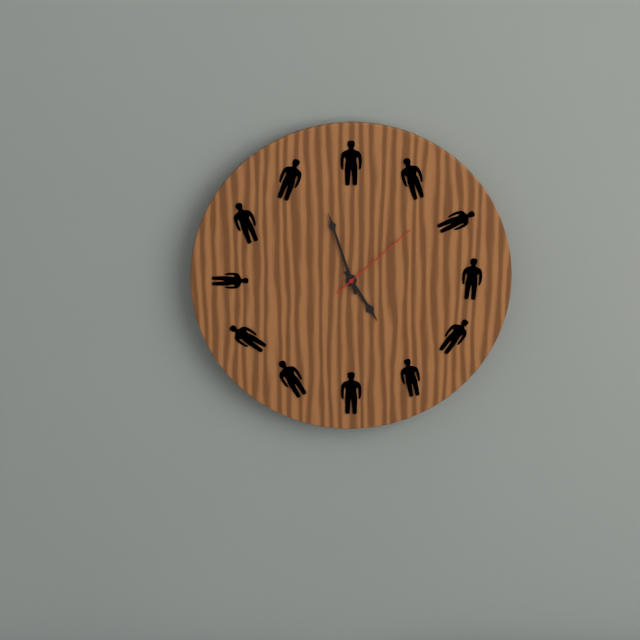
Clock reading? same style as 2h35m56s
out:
4h57m08s
